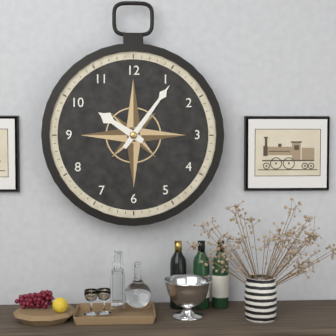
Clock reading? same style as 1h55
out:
10h06
